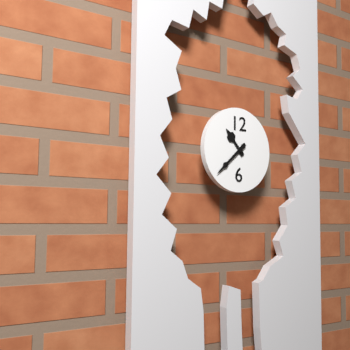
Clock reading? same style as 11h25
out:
10h38
